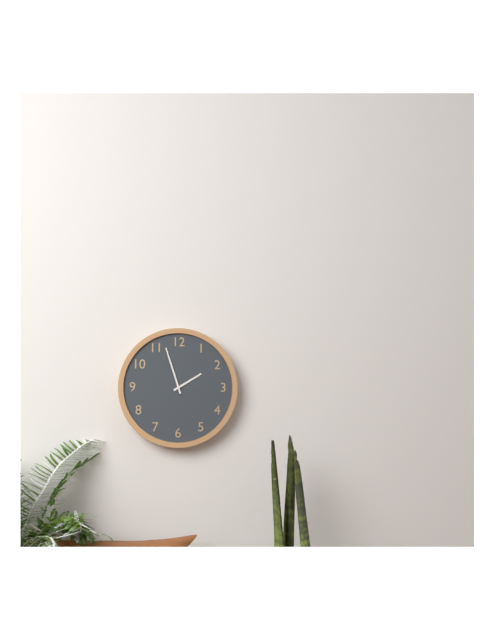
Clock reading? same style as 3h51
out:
1h57
